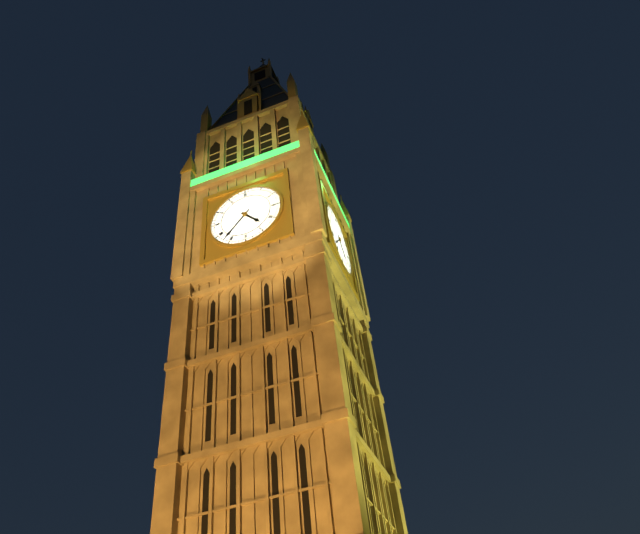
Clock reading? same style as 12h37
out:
4h37
